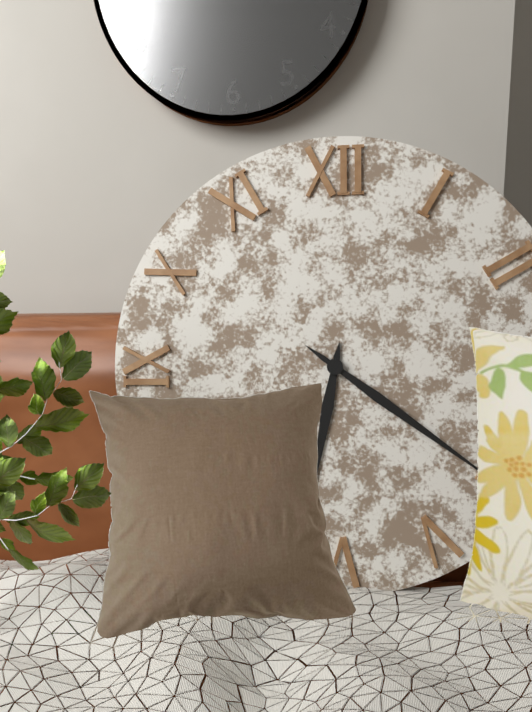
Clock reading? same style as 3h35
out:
6h21
